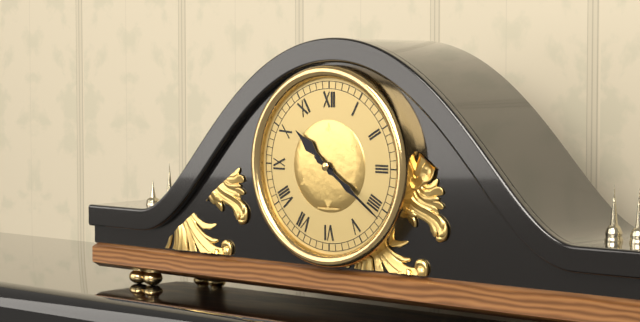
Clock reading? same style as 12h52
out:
10h21
